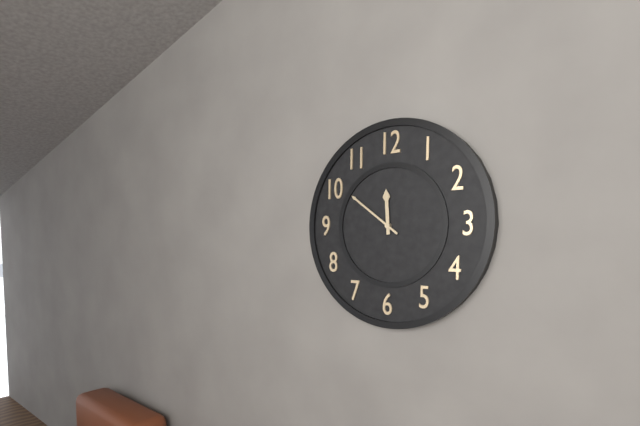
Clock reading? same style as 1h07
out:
11h51
